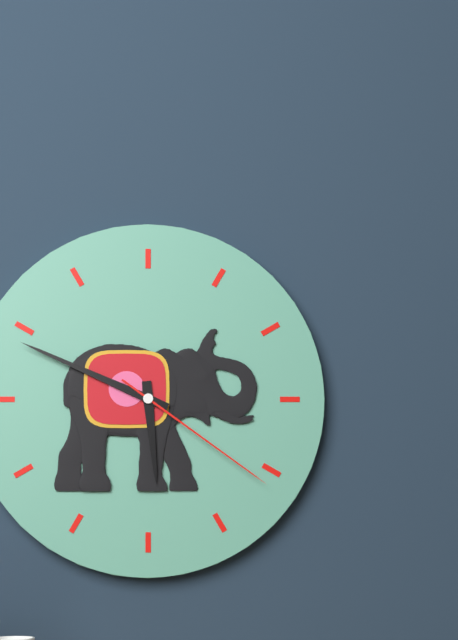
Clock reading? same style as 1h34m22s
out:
5h49m21s
